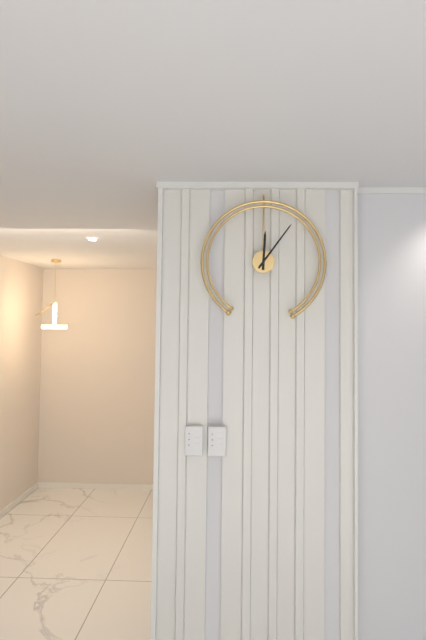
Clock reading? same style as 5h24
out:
12h06
